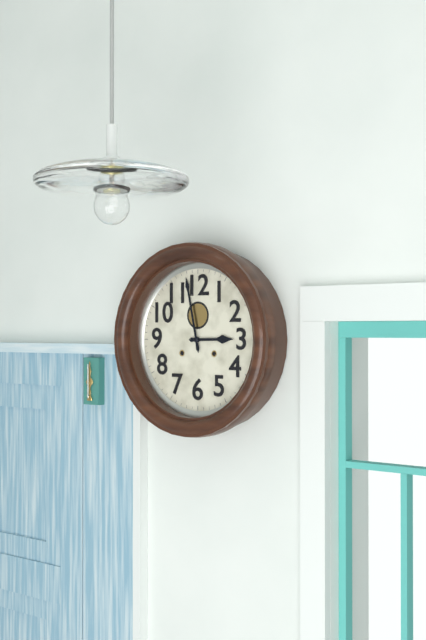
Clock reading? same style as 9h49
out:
2h58
